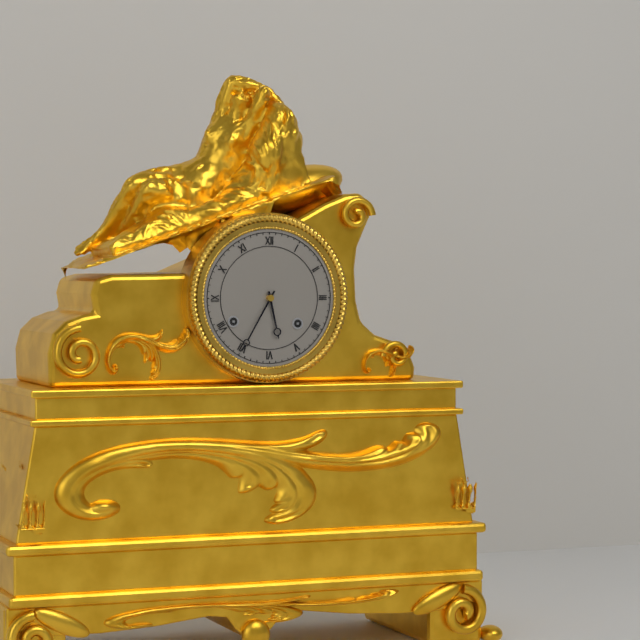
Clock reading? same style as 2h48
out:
5h35
